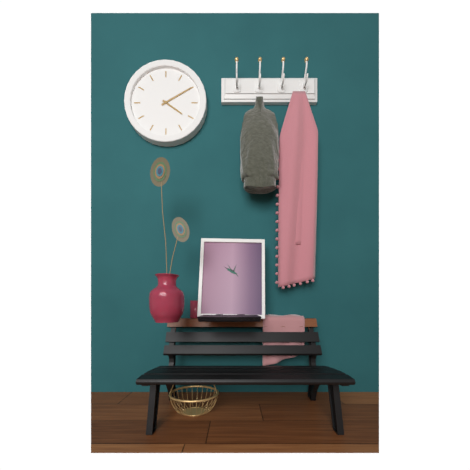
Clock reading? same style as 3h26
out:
4h10
